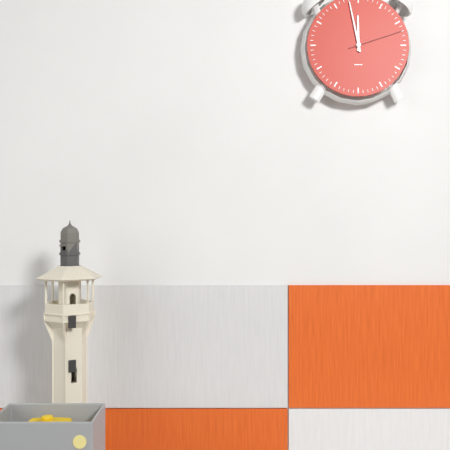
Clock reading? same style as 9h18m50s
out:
11h58m12s
